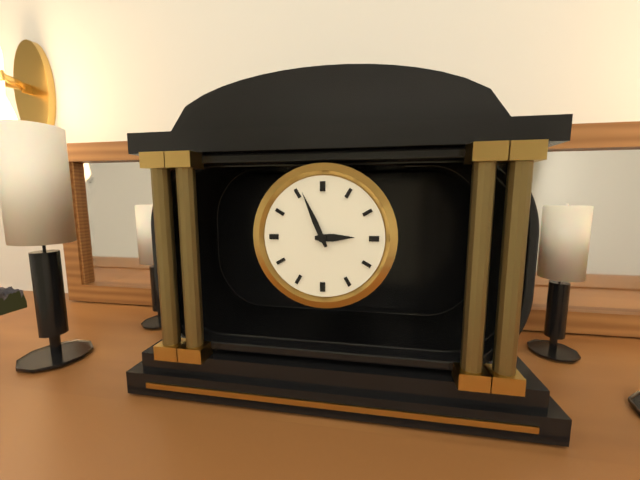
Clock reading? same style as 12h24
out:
2h56
